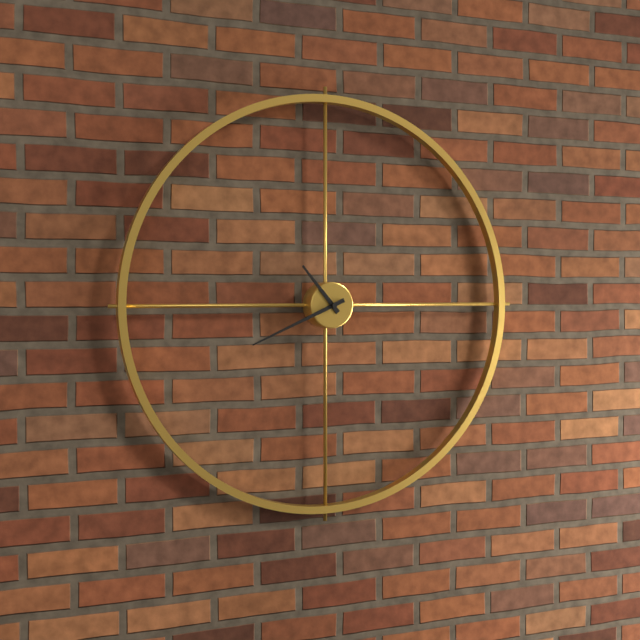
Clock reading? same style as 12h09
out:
10h41
